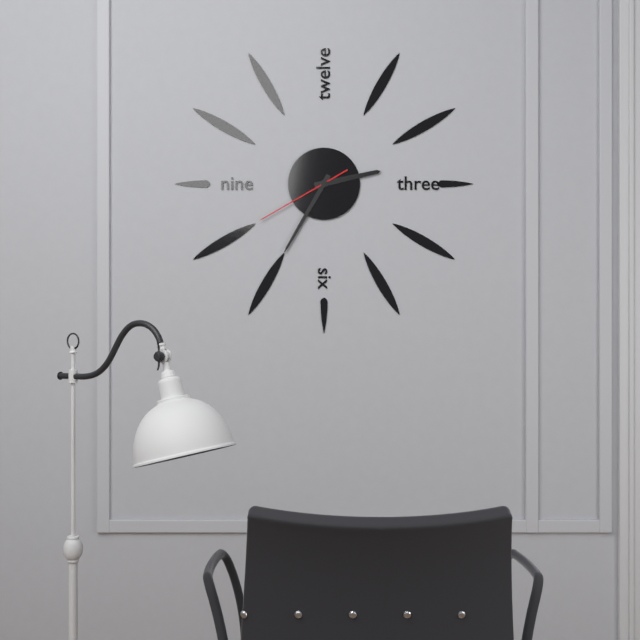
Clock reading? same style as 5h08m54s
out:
2h35m40s
